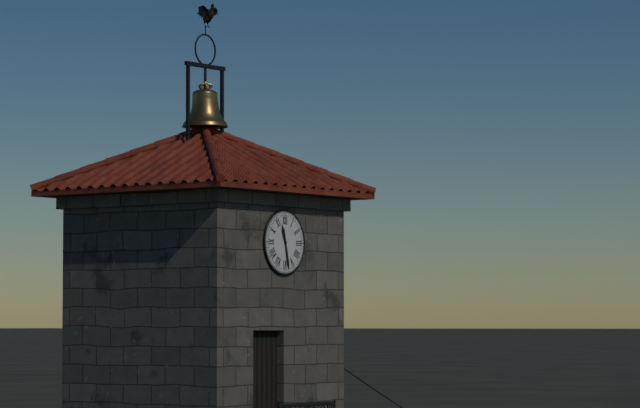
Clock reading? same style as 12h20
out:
11h28
